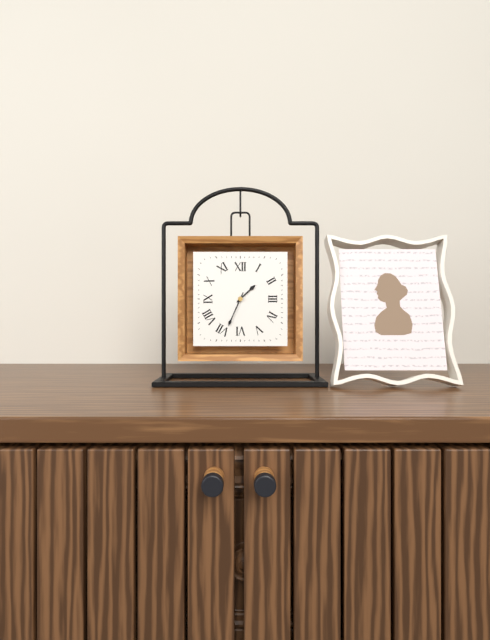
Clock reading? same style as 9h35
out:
1h34
